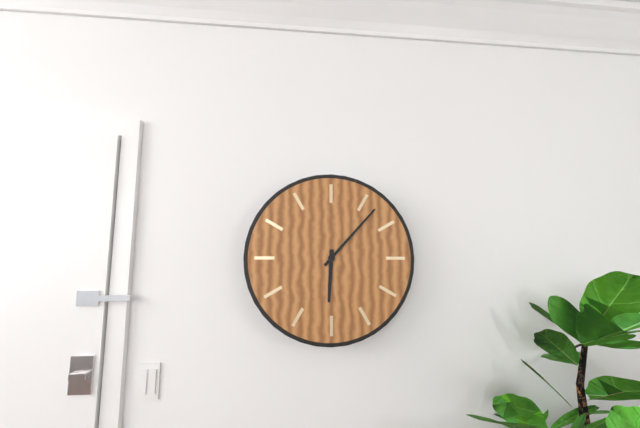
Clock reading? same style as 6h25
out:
6h07
